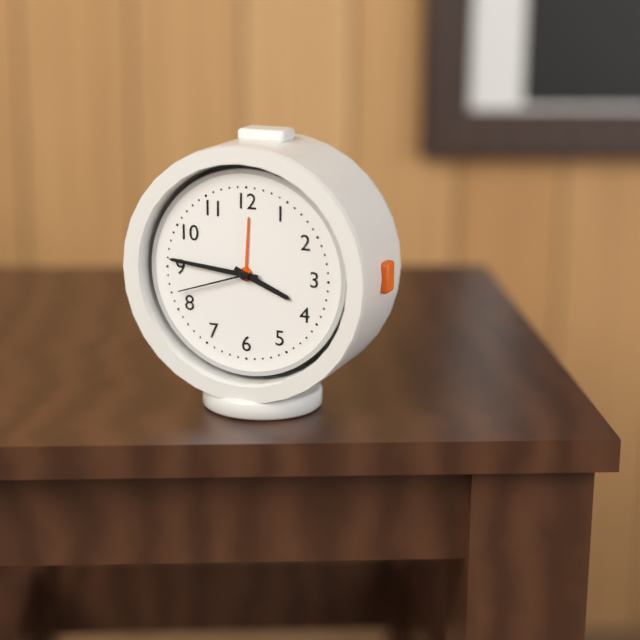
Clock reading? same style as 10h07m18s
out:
3h46m42s
